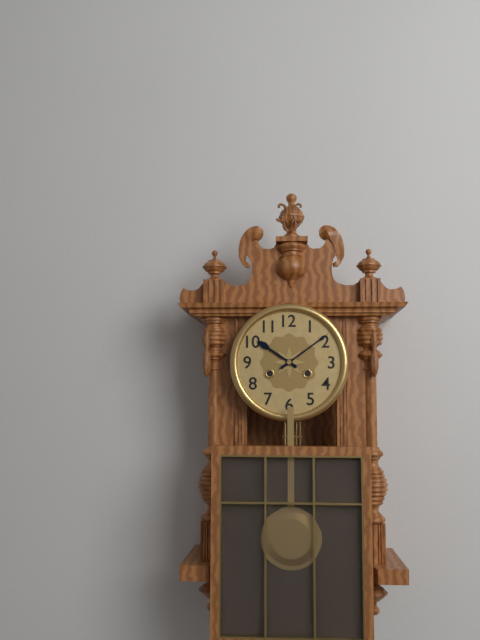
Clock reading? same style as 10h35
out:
10h09
